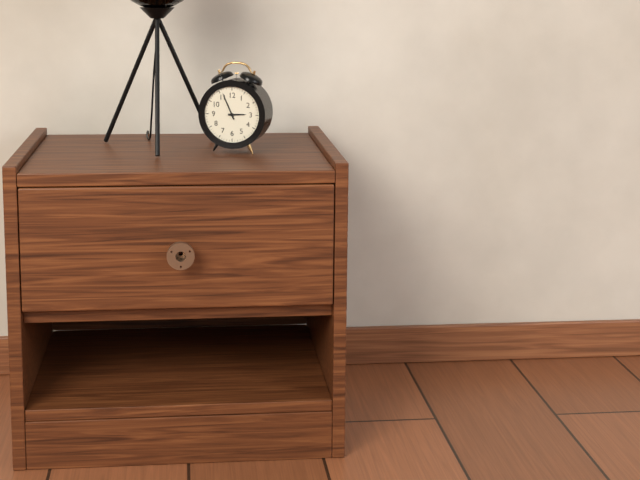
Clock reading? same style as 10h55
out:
2h56
